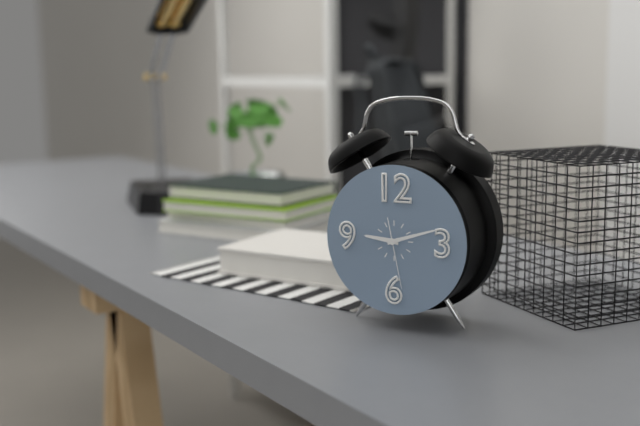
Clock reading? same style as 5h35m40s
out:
9h12m28s
